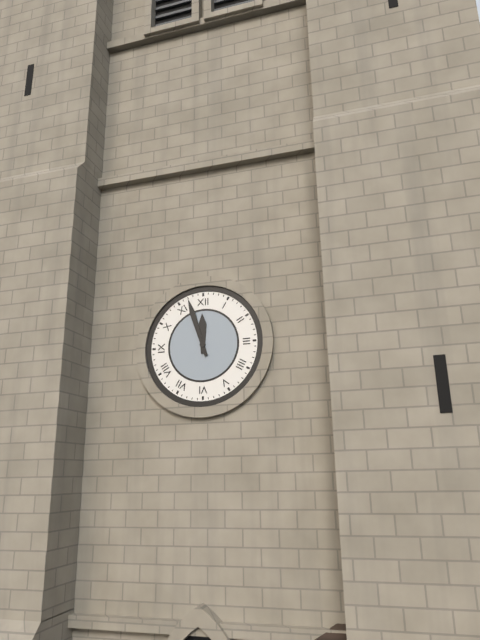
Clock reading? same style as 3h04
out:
11h57
